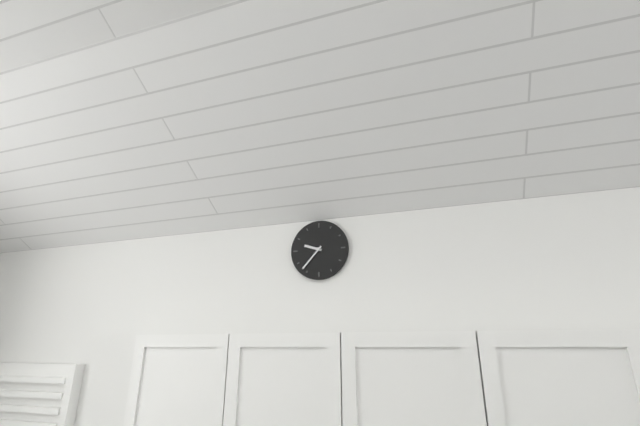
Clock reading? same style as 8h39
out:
9h37
